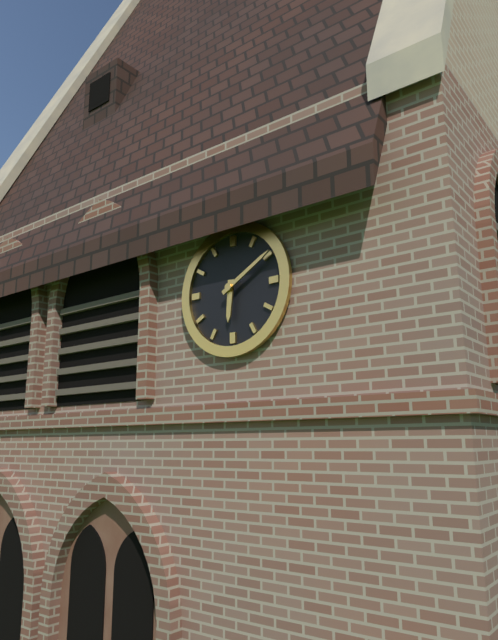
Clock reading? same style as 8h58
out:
6h10
